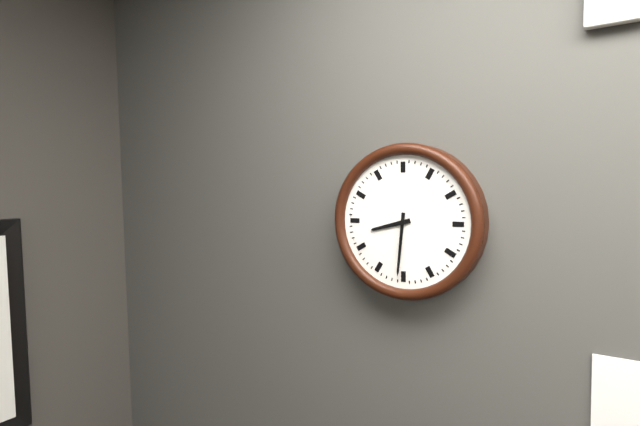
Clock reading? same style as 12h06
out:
8h31
